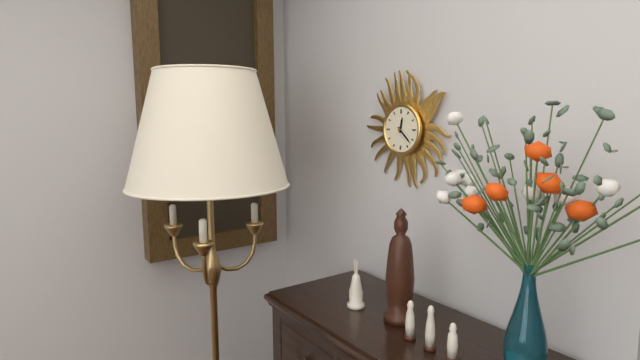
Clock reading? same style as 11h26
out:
12h22
